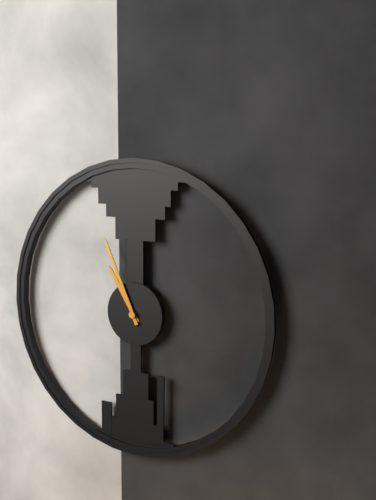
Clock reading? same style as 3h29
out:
10h56
